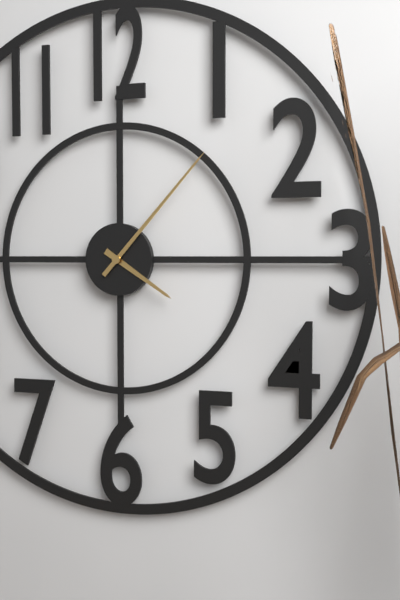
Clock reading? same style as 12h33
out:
4h07
